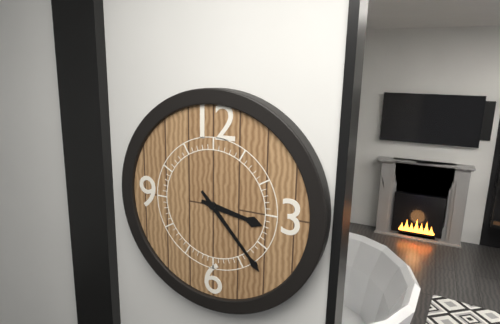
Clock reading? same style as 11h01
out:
3h23
